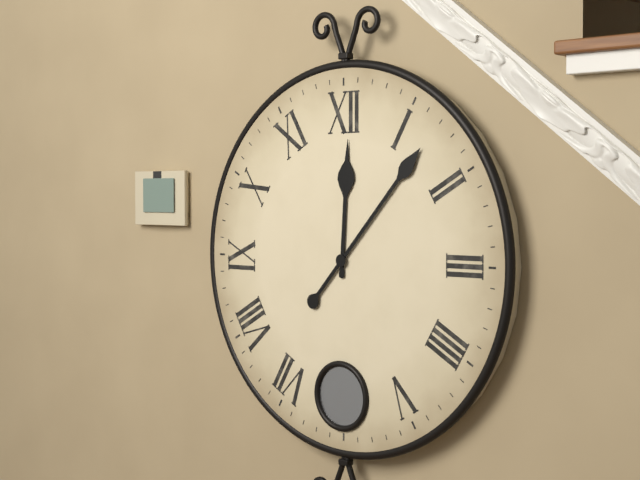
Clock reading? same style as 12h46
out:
12h07
